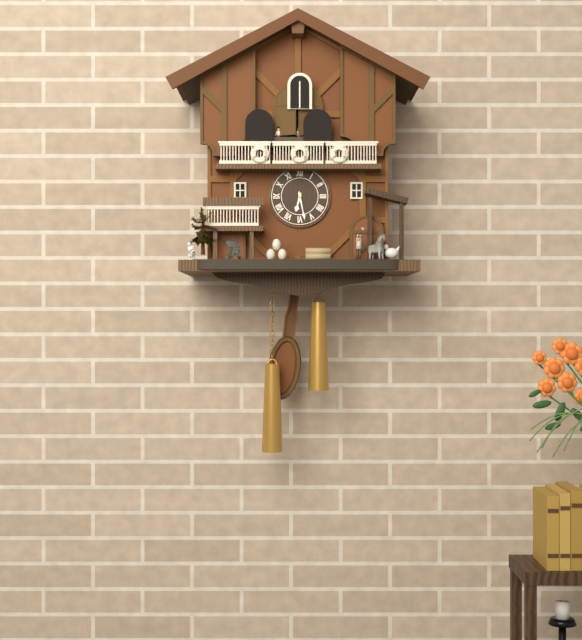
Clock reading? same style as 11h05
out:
6h28
